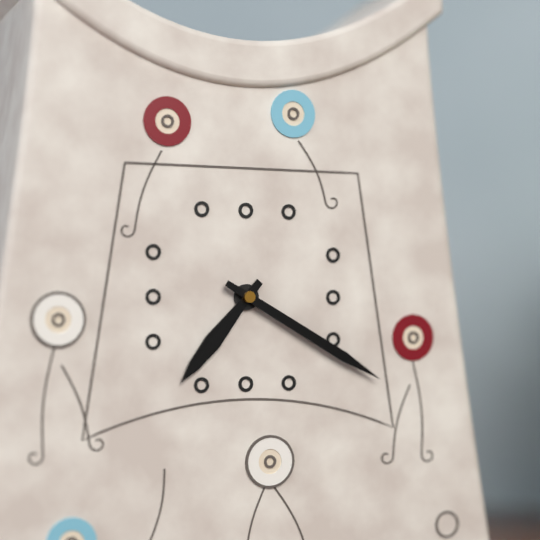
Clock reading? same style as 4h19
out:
7h20
